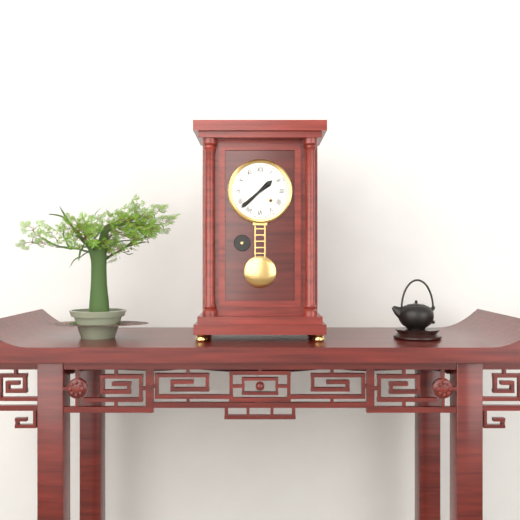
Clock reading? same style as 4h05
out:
1h38
